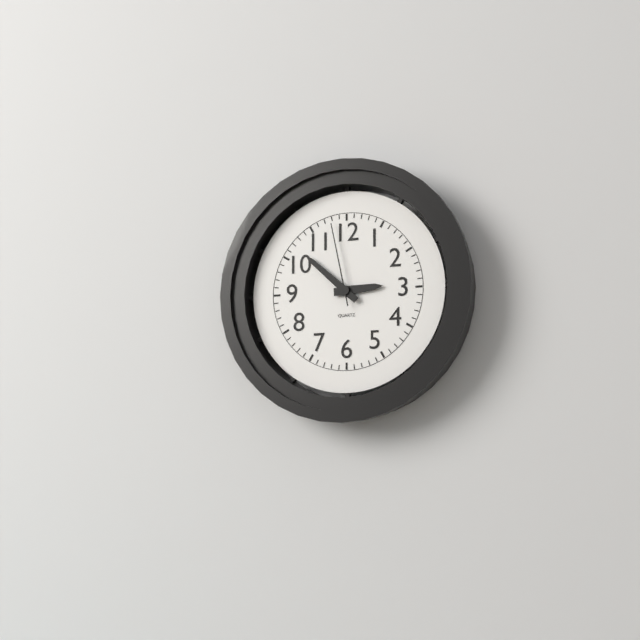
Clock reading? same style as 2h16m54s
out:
2h52m58s
